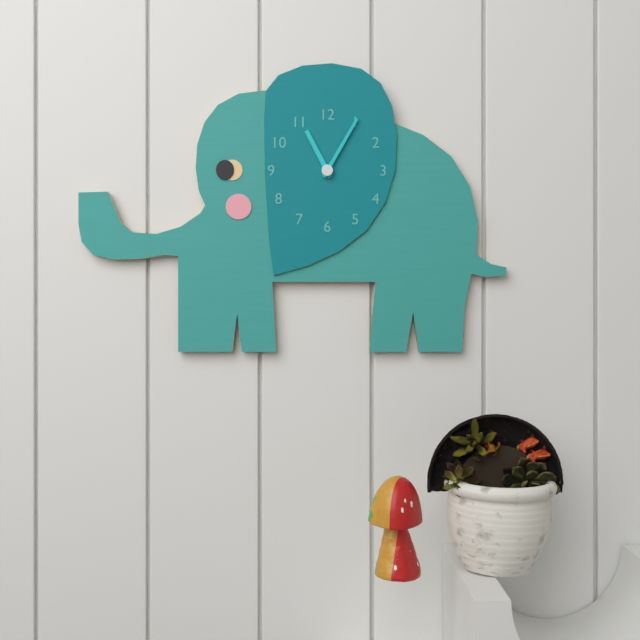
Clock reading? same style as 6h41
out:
11h05
